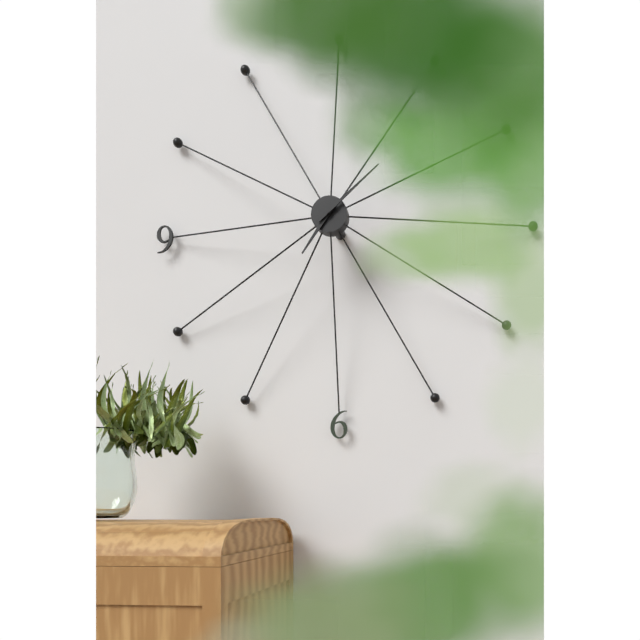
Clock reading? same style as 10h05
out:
7h08
